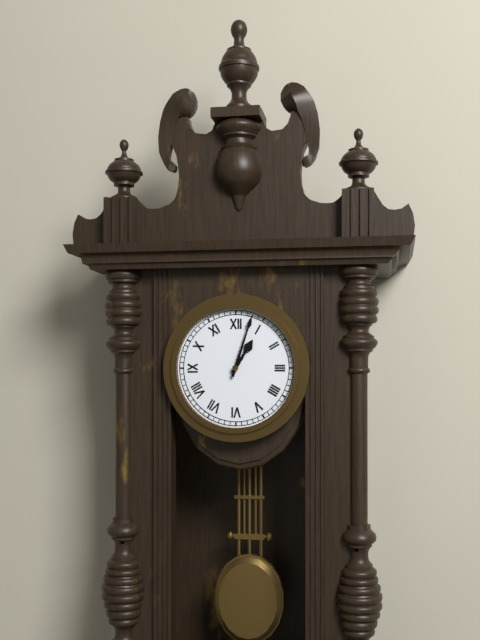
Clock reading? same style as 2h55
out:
1h03
